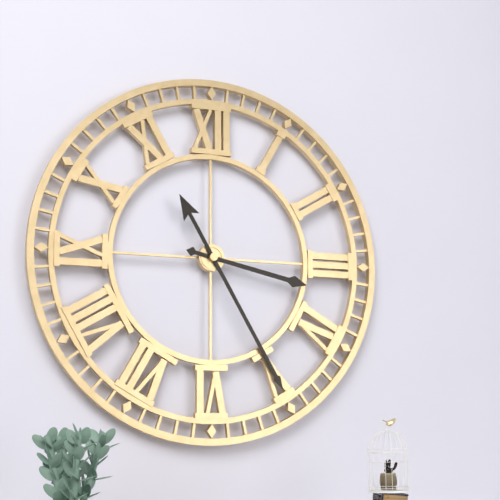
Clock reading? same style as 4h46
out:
3h25
